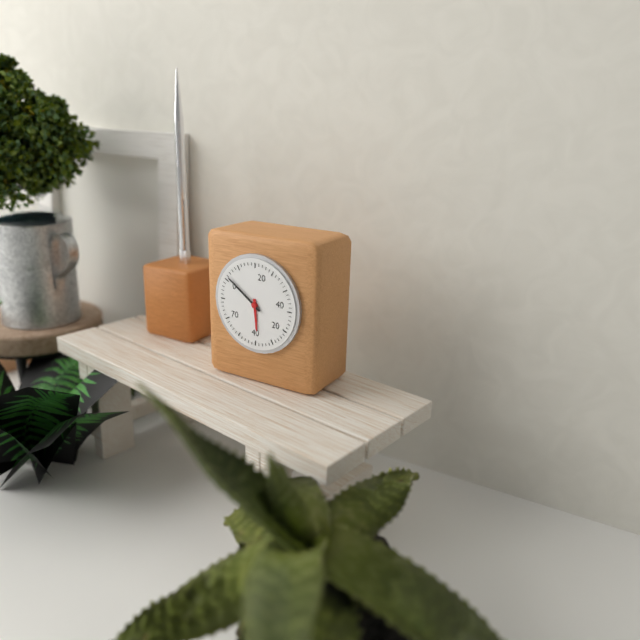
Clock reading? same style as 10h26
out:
5h51
